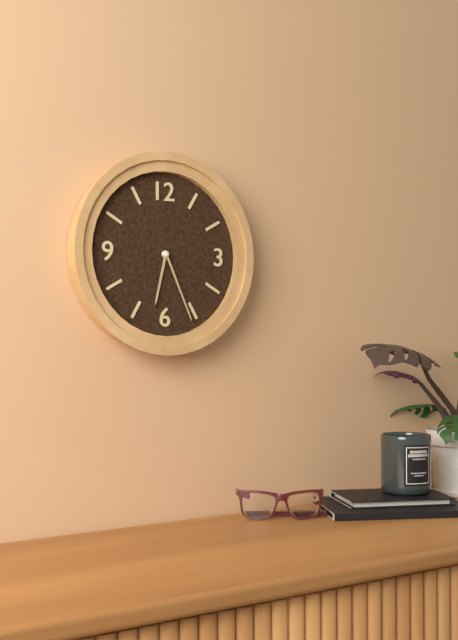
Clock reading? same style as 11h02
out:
6h26
